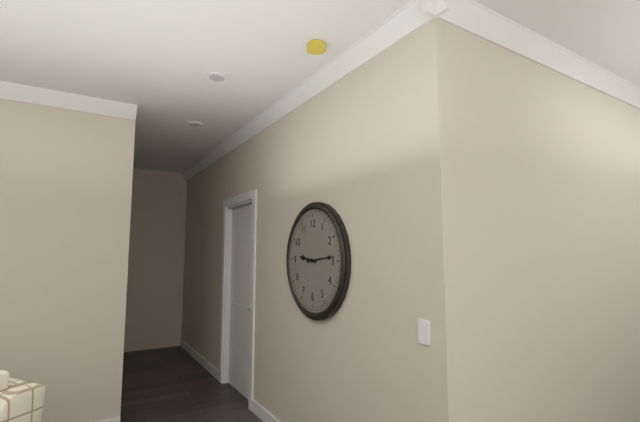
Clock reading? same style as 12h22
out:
9h14
